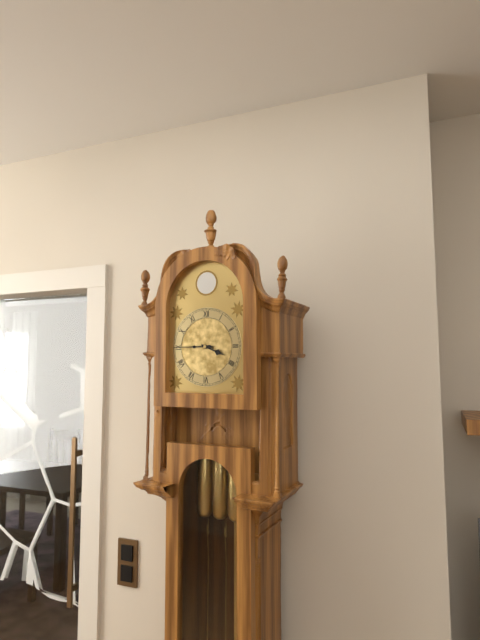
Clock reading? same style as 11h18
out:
3h45
